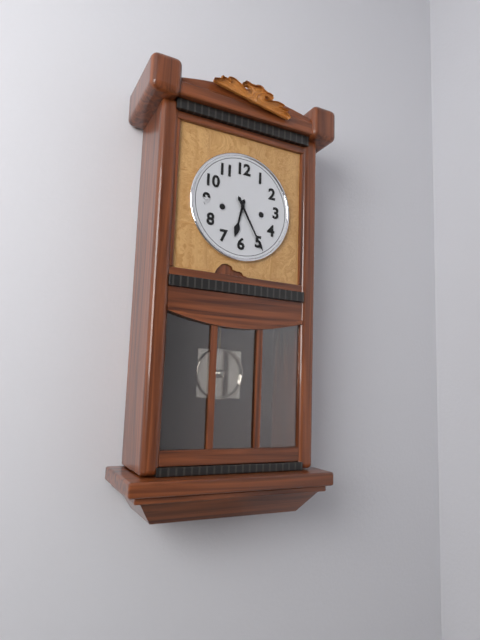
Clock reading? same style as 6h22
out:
6h25
